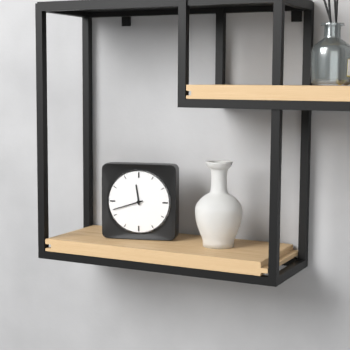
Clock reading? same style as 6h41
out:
11h42
